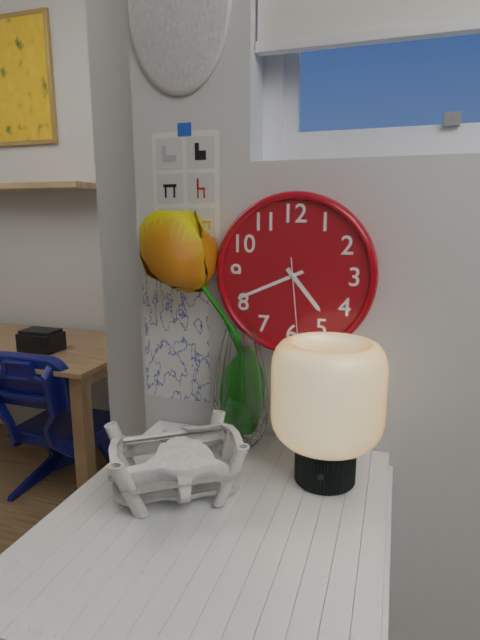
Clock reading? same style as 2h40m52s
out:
4h41m29s
